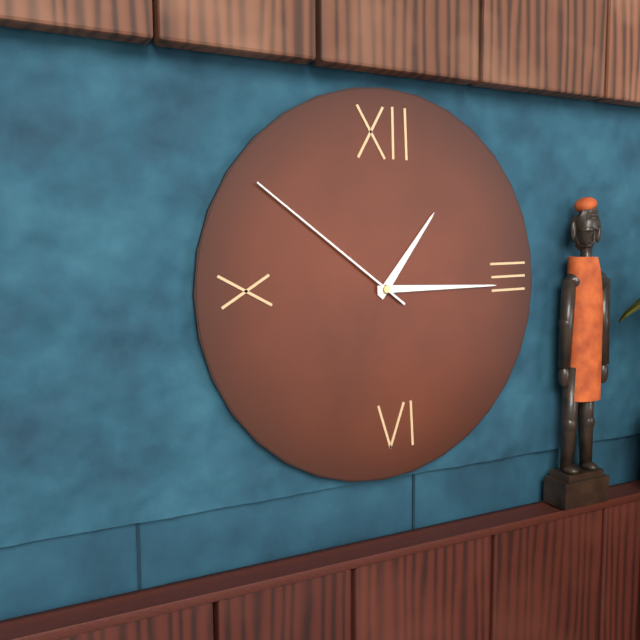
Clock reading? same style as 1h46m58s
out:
1h15m51s
